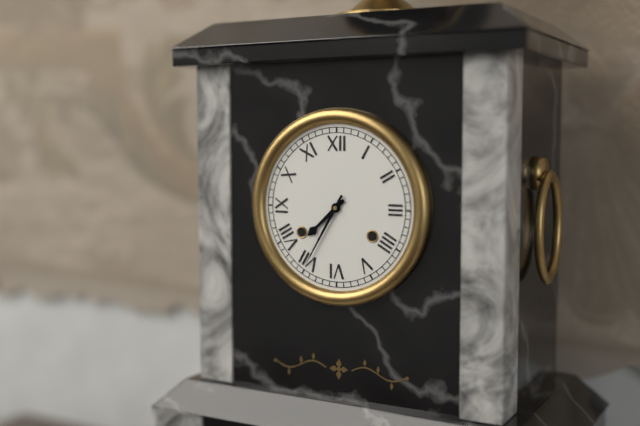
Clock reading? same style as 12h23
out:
7h35
